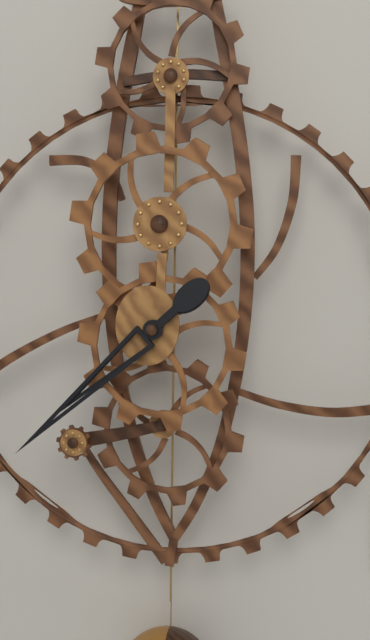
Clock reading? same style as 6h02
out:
7h38
